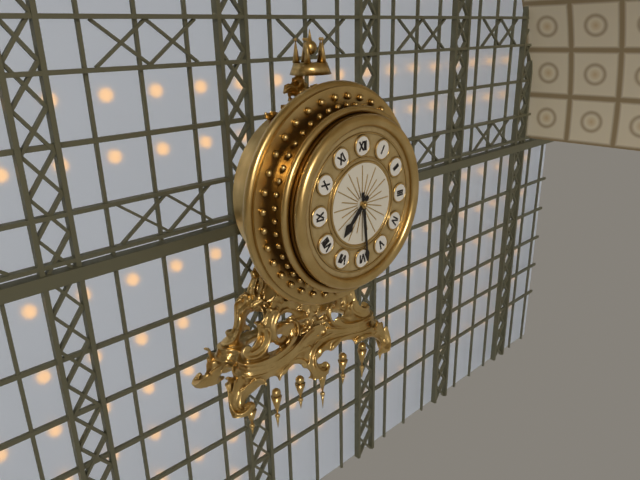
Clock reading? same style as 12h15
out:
7h29
